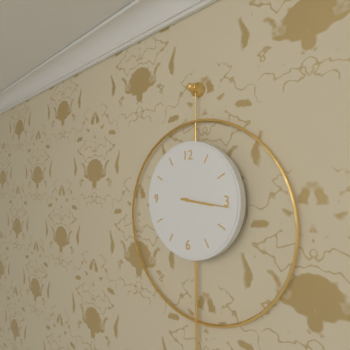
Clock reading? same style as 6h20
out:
3h16
